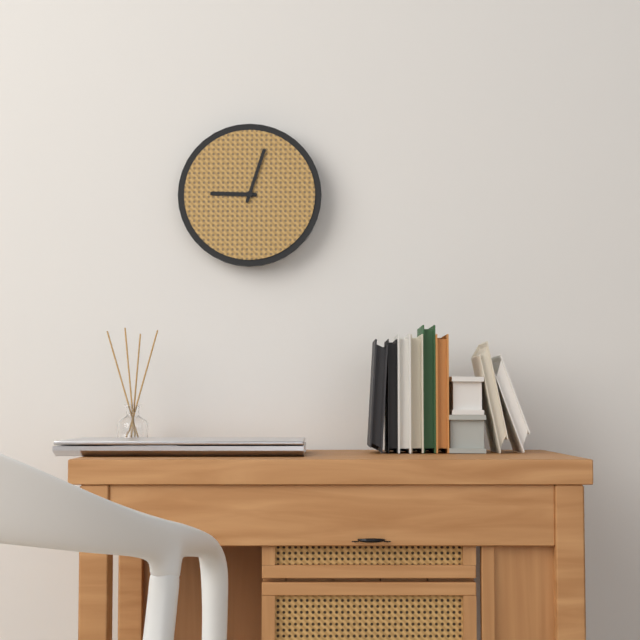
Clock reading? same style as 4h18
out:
9h03
